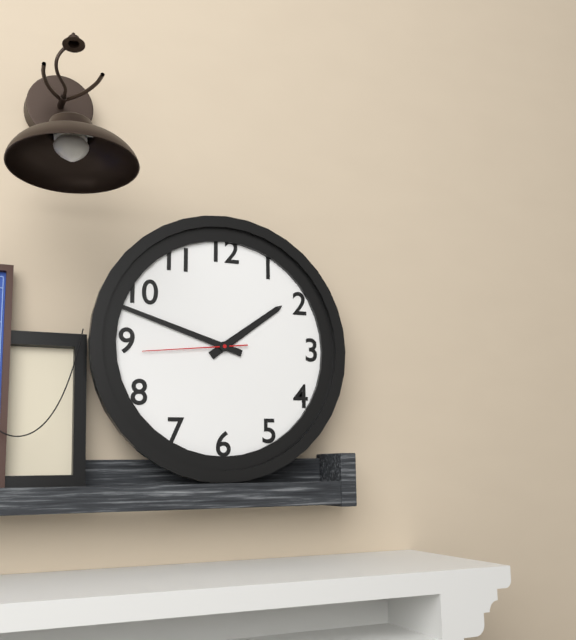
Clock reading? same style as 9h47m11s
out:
1h48m44s
